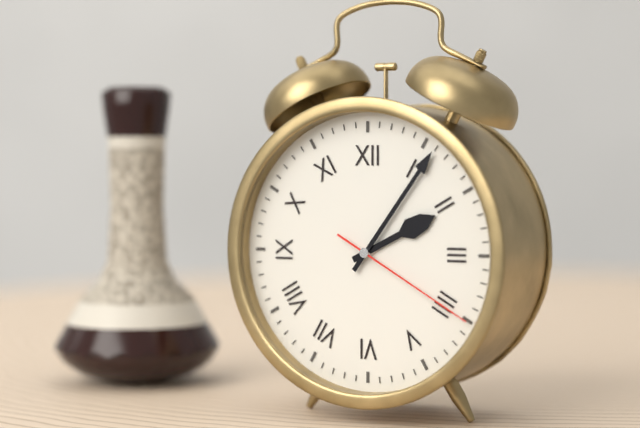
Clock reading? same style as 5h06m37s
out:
2h06m20s
